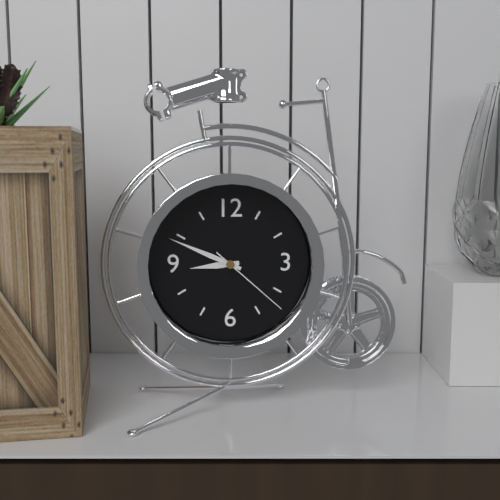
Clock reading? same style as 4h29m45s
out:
8h49m22s
